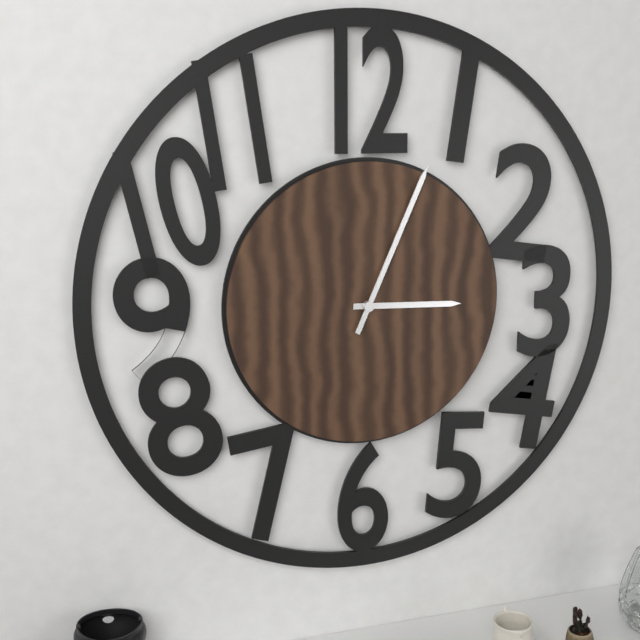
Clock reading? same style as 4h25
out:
3h04
